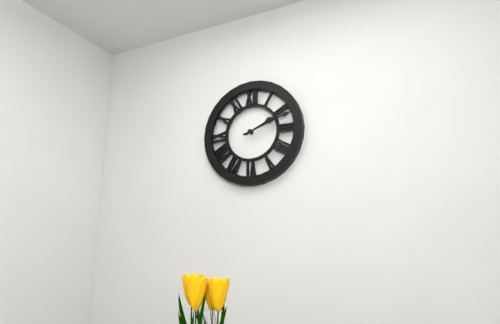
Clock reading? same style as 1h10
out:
2h12
